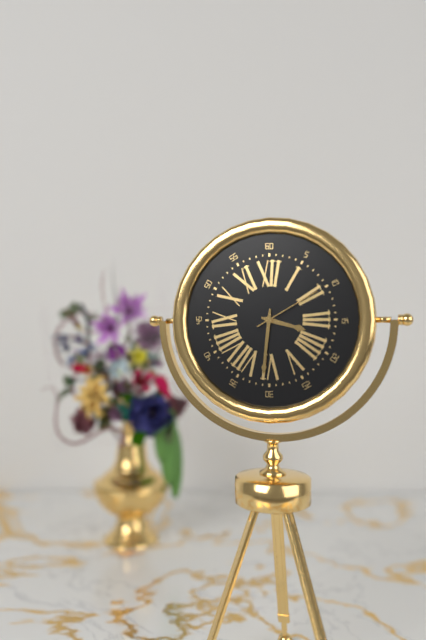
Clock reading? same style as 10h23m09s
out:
3h31m10s
